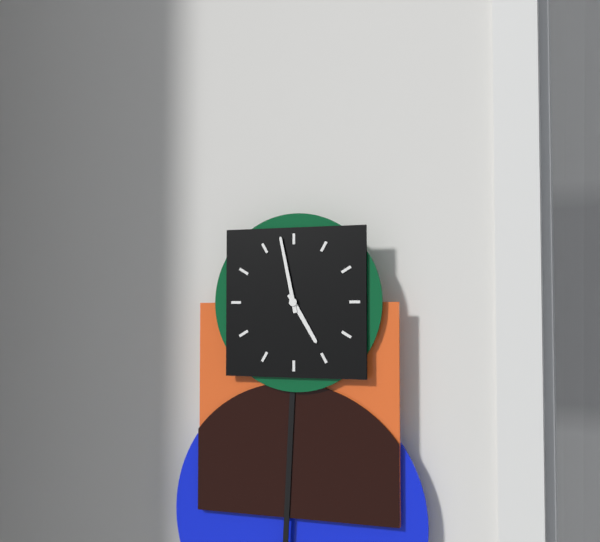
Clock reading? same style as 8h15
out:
4h58
